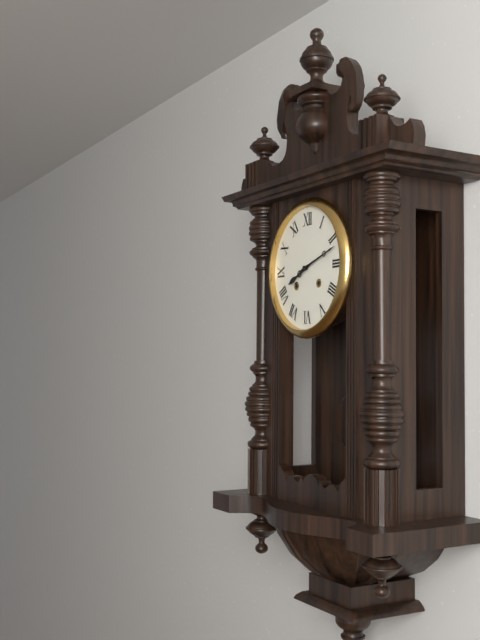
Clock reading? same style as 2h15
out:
8h12
